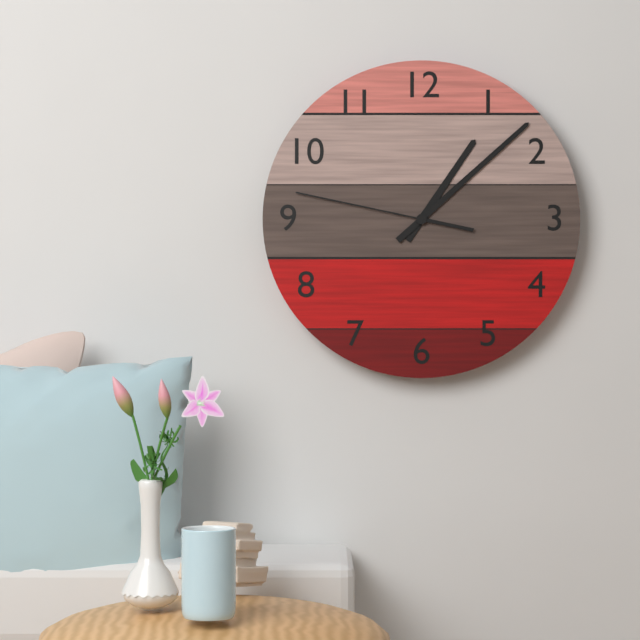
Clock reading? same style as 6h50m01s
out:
1h08m47s
